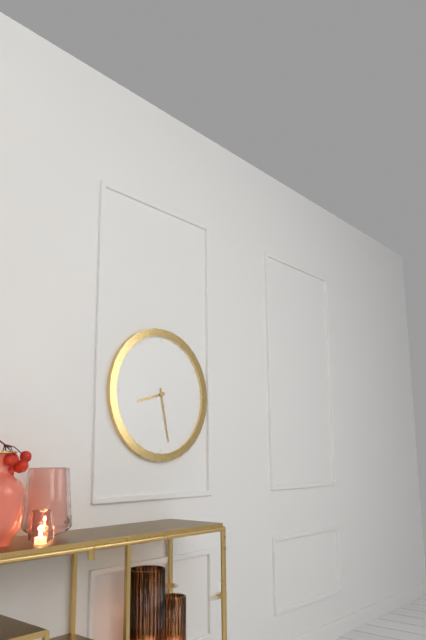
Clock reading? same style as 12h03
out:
8h28
